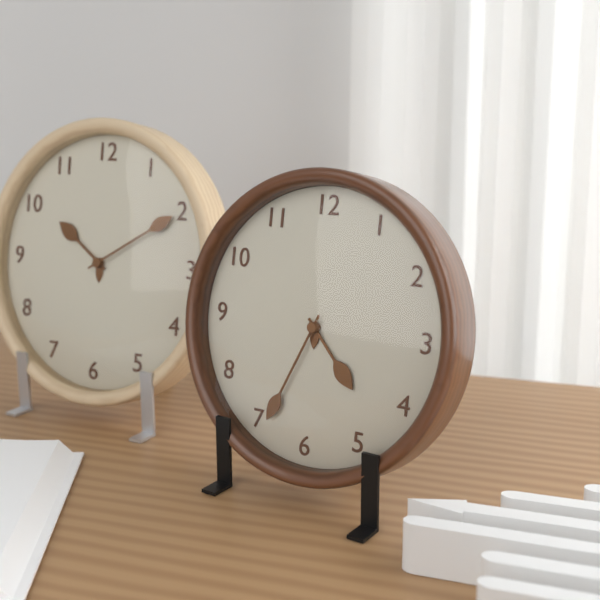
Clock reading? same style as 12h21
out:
4h34
